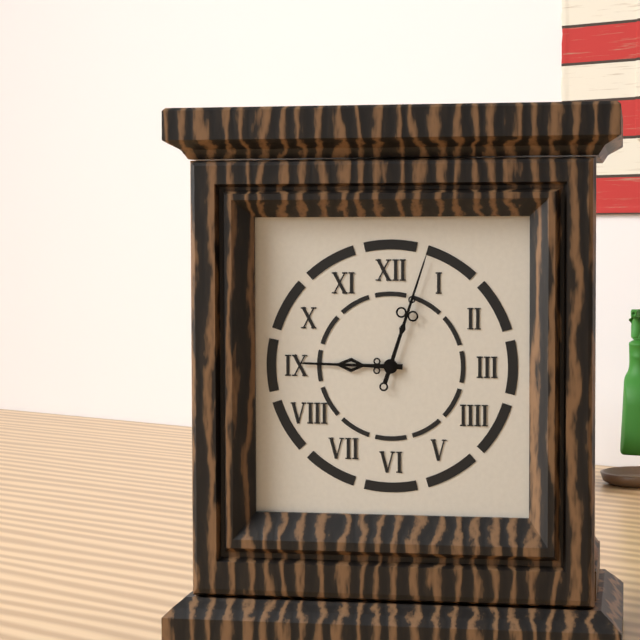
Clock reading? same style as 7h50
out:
9h03
